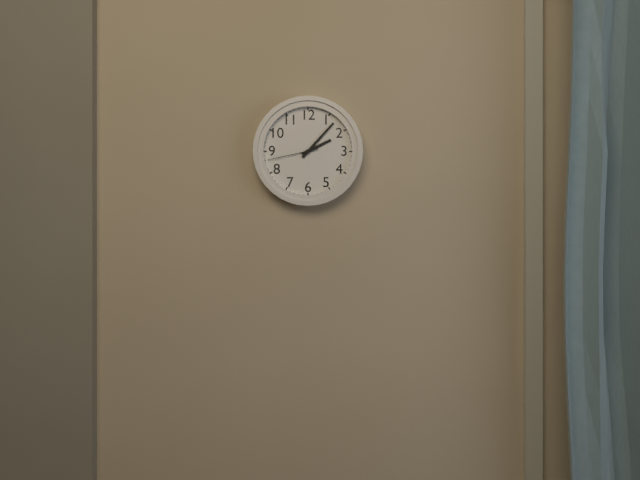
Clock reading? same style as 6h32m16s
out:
2h07m43s
